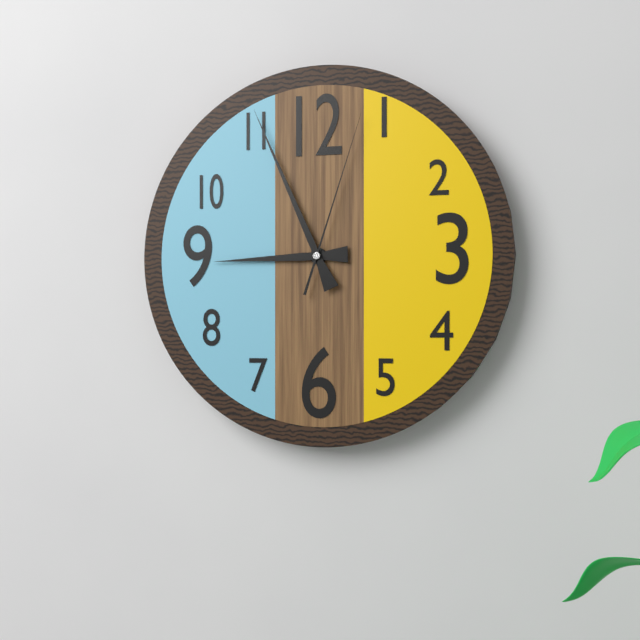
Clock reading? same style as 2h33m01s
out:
8h56m03s
